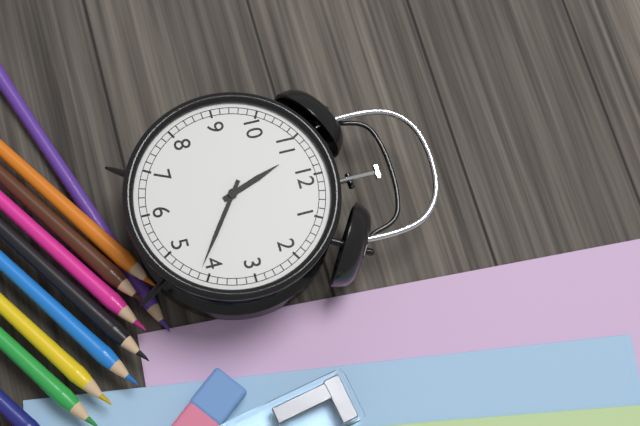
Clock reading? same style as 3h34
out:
11h21
